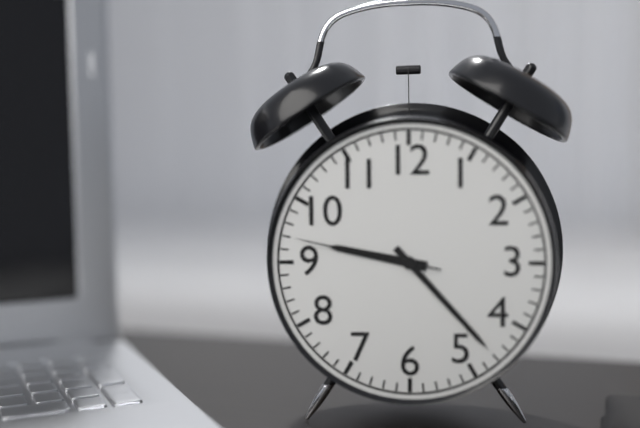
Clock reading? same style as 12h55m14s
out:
9h23m47s
